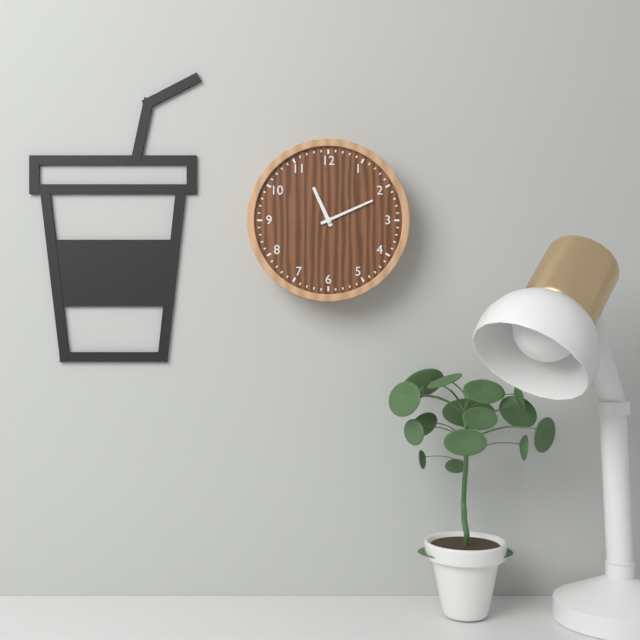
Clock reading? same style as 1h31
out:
11h11
